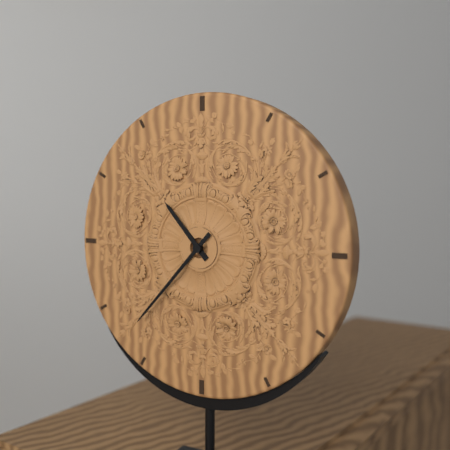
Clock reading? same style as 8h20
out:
10h37
